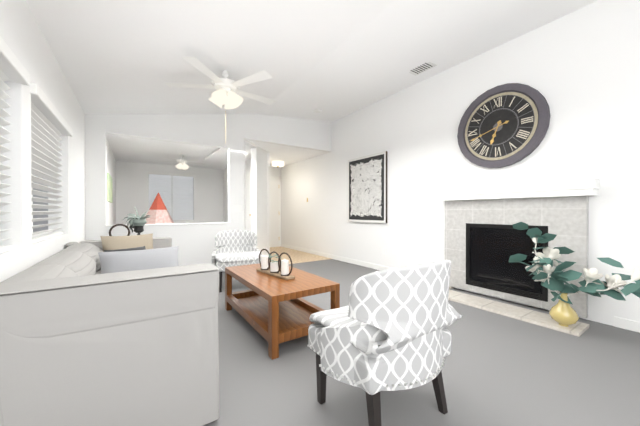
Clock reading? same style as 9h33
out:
6h42
